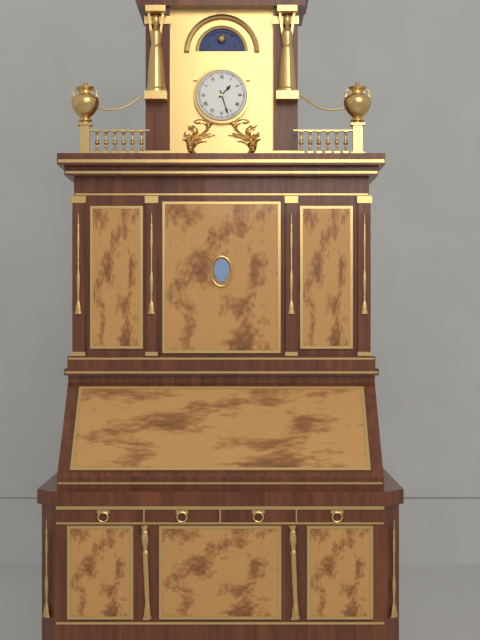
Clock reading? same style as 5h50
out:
1h27
